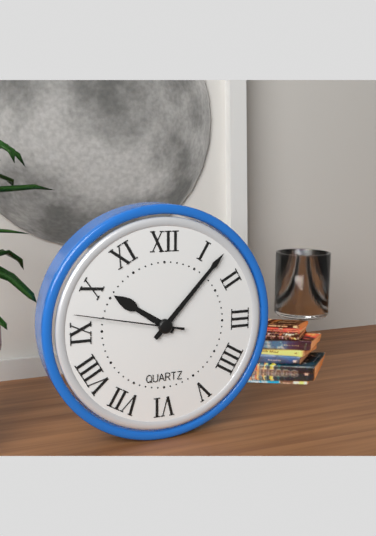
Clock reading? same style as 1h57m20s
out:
10h07m47s
